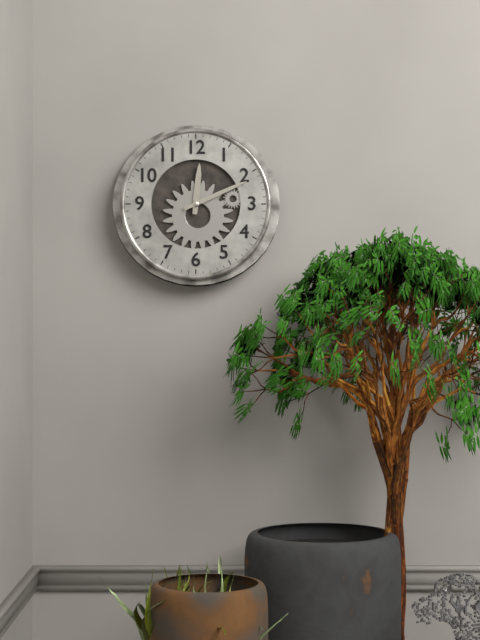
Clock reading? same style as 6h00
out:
12h11
